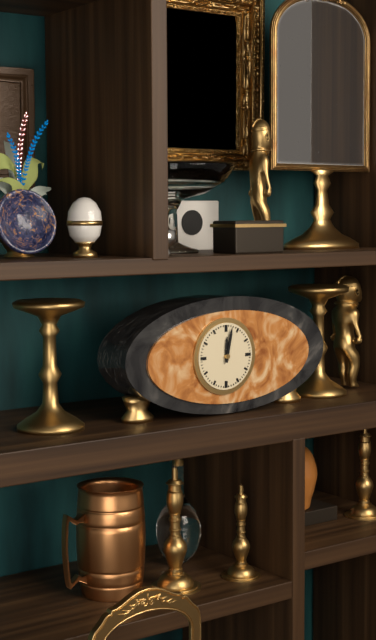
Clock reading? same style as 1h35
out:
12h02
